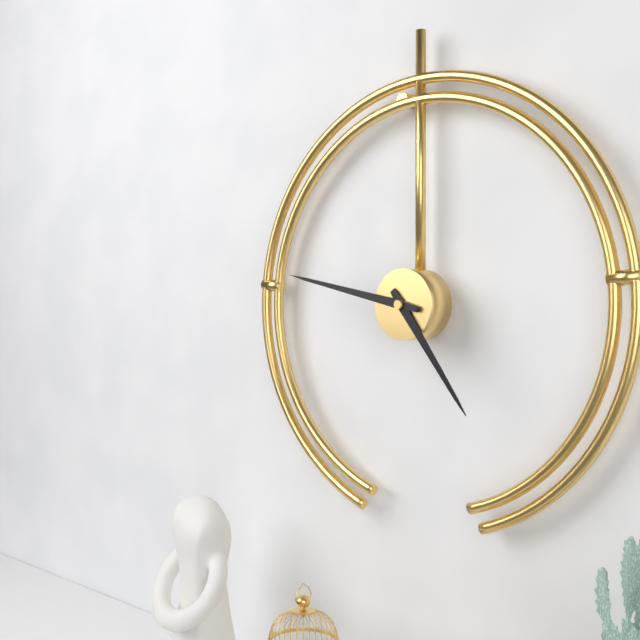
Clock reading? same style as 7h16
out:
4h47
